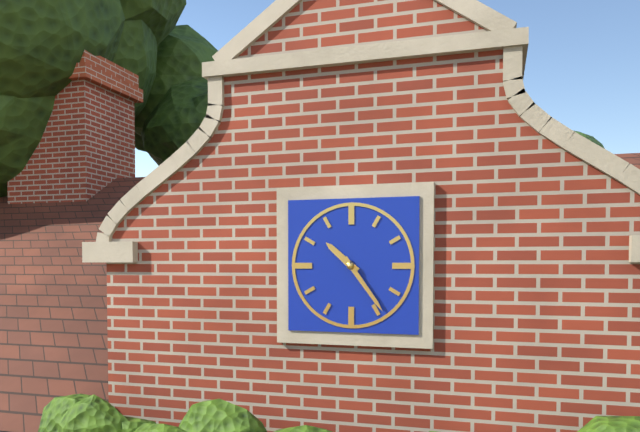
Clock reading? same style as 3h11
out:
10h24
